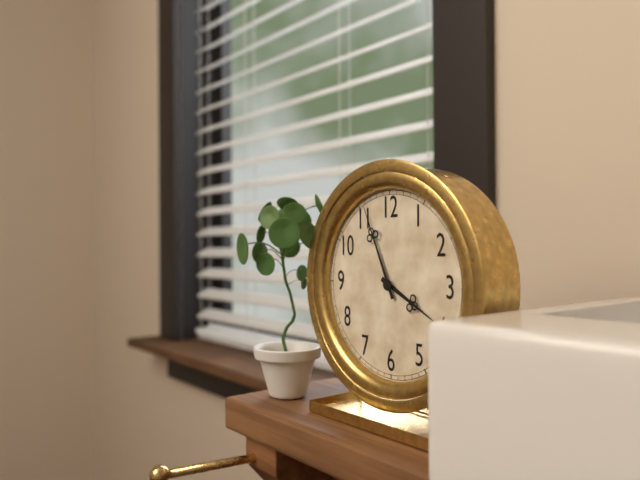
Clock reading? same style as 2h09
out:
3h56
